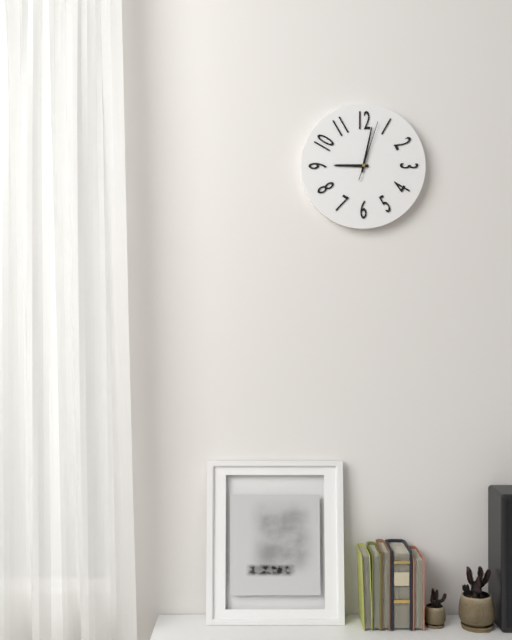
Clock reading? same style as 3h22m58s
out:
9h02m03s
